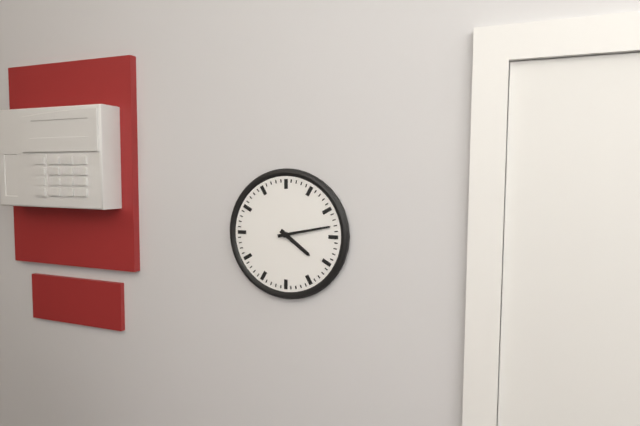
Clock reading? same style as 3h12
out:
4h13
